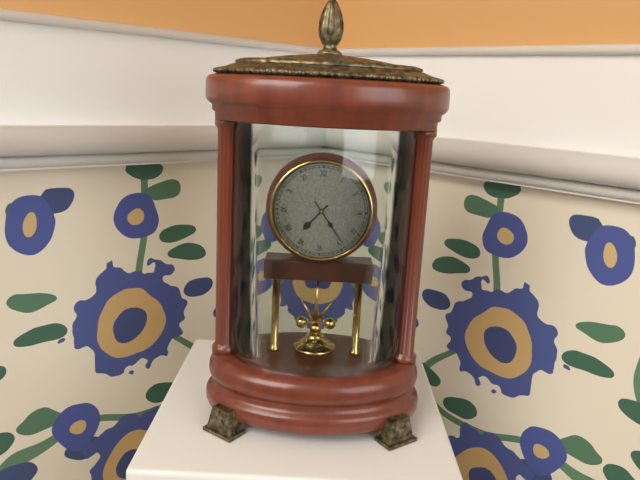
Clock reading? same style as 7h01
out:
7h24
